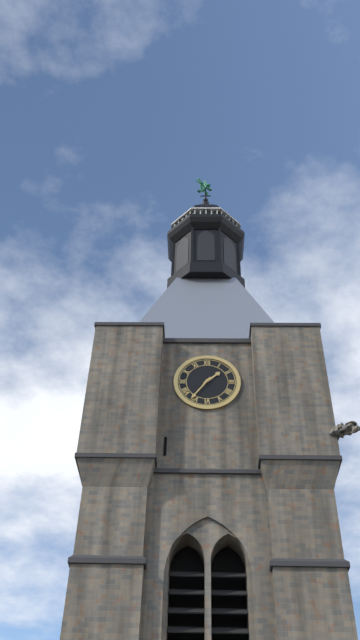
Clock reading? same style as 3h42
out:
1h36
